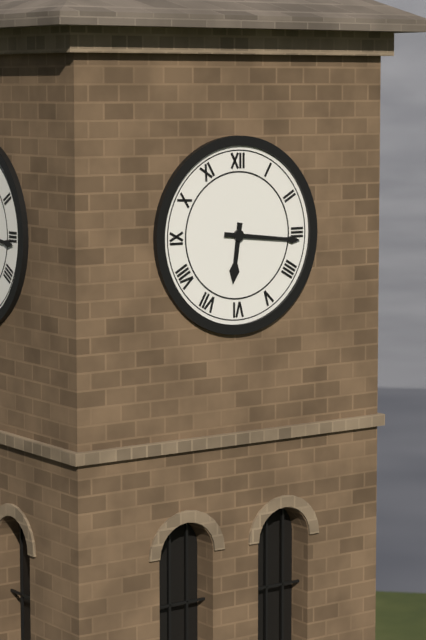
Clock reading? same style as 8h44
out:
6h16
